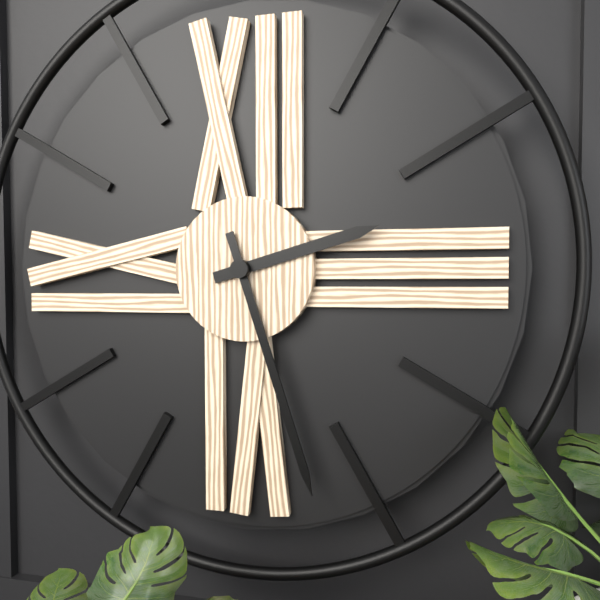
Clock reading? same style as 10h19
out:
2h27
